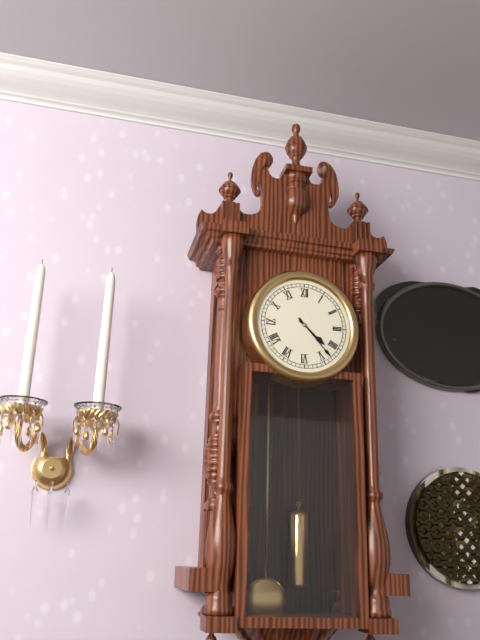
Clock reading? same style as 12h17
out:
4h23
